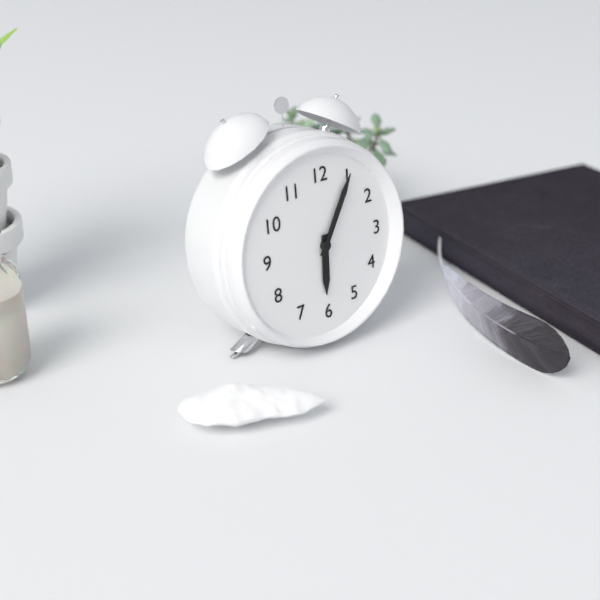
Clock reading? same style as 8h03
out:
6h05
